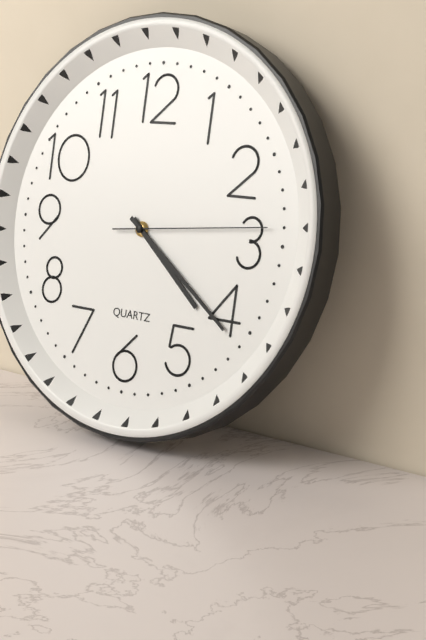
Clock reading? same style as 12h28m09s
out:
4h21m14s
